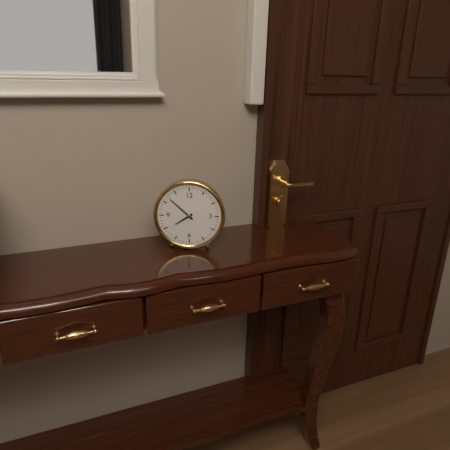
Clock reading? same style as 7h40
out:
7h52
